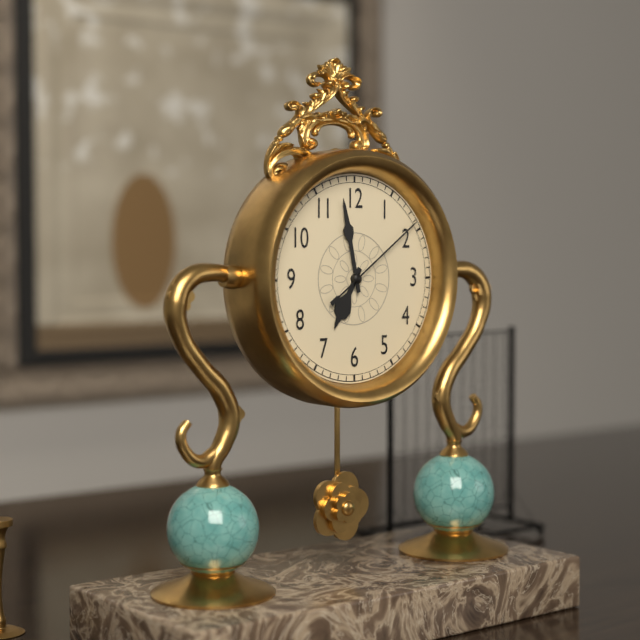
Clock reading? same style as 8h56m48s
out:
6h58m09s
